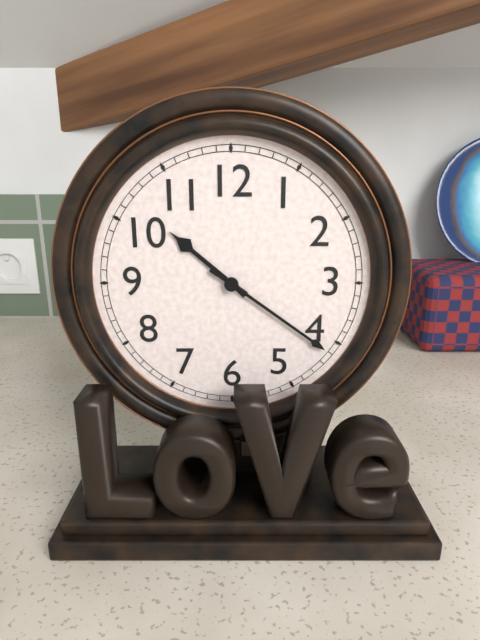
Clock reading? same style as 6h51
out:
10h21
